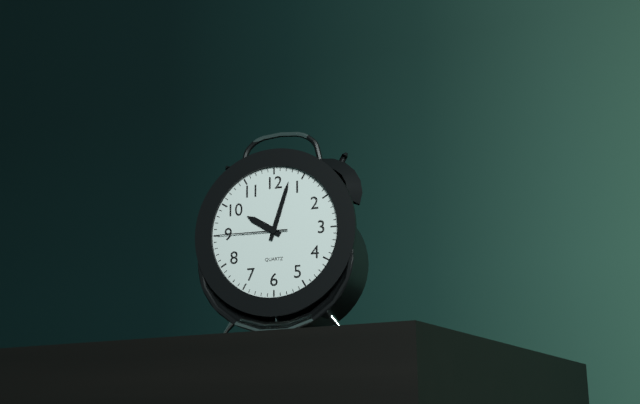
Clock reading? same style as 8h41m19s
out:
10h03m45s
